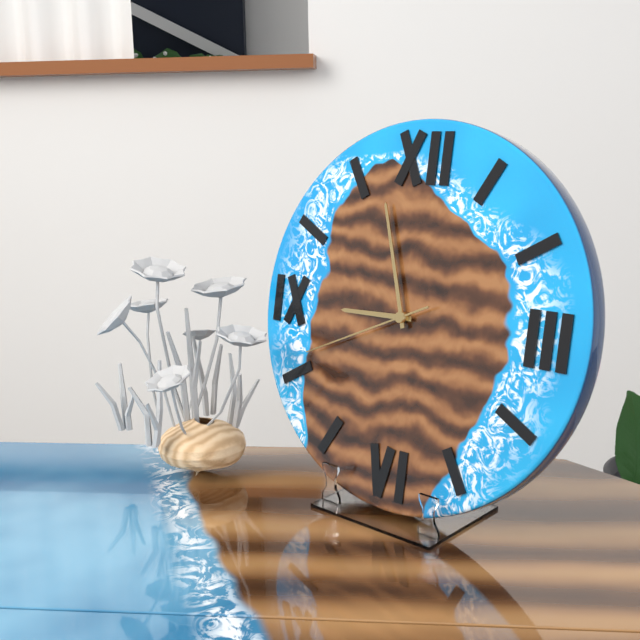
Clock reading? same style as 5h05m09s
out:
8h57m41s
